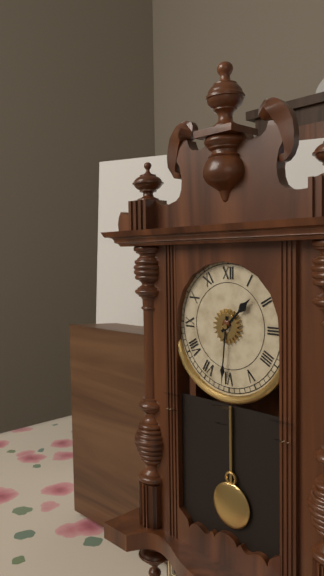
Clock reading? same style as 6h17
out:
1h31
